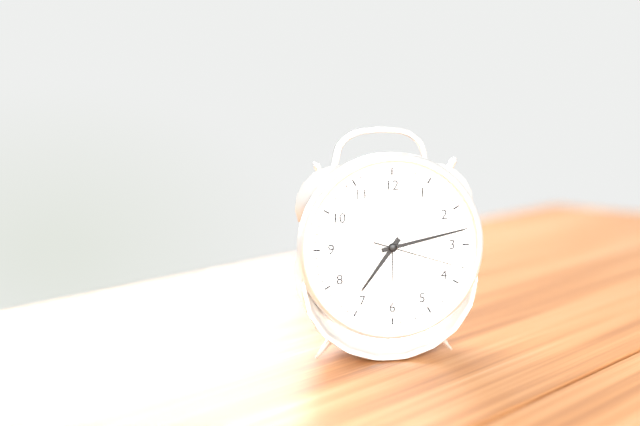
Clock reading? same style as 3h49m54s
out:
7h13m18s
